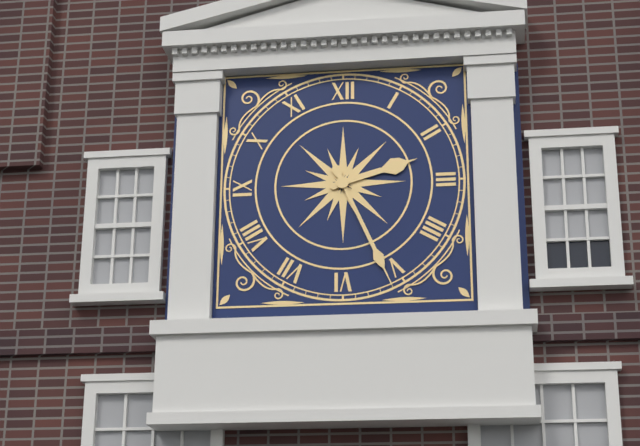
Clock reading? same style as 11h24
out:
2h26
